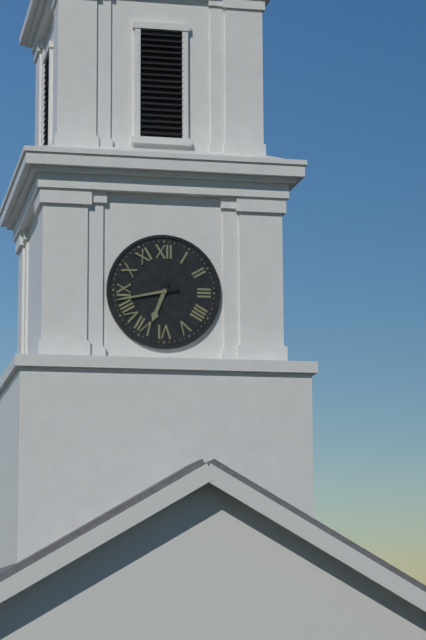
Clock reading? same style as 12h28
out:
6h43
